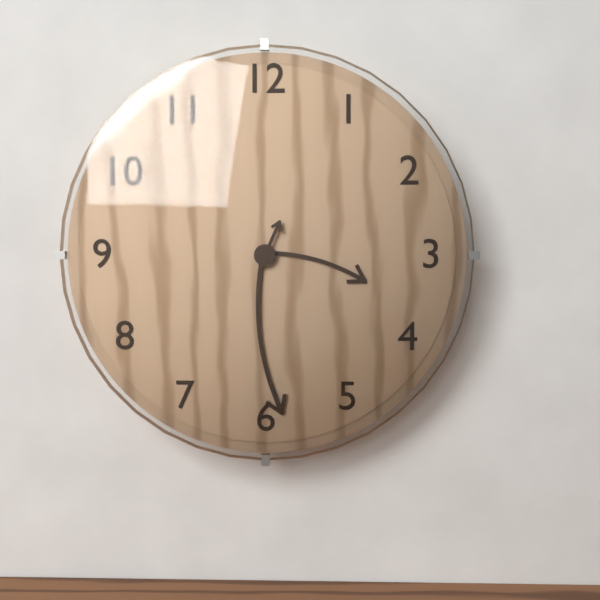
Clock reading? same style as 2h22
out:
3h29
